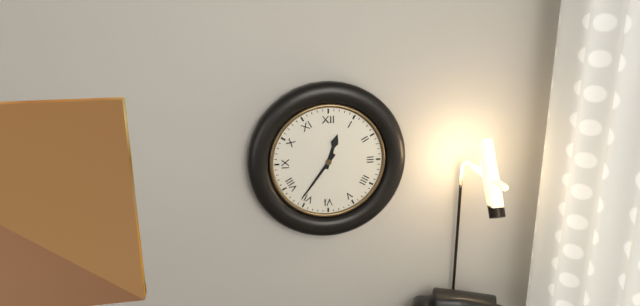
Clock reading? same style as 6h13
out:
12h36
